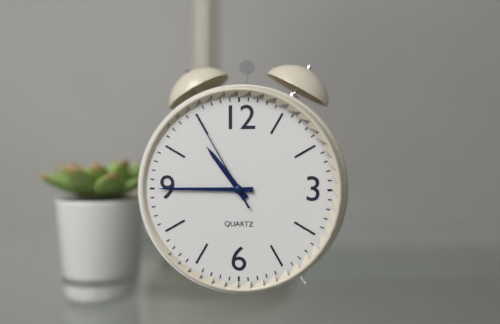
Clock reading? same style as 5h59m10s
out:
10h45m55s
